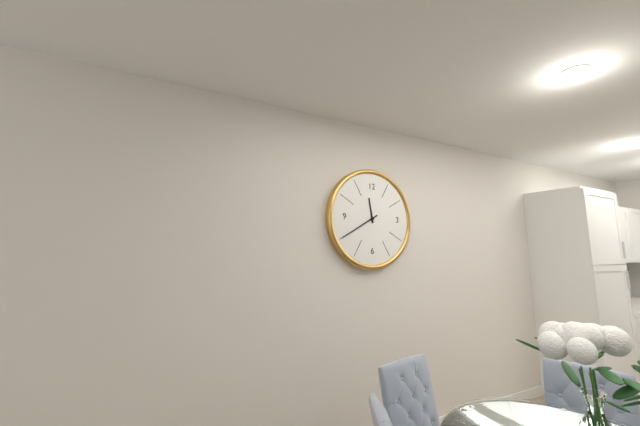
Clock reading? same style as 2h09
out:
11h40
